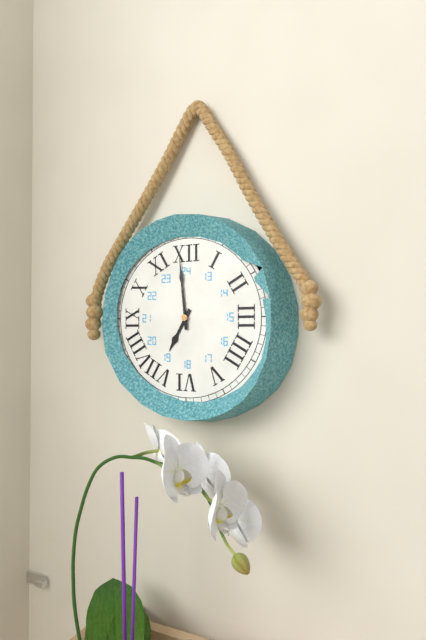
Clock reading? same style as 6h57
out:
6h59
